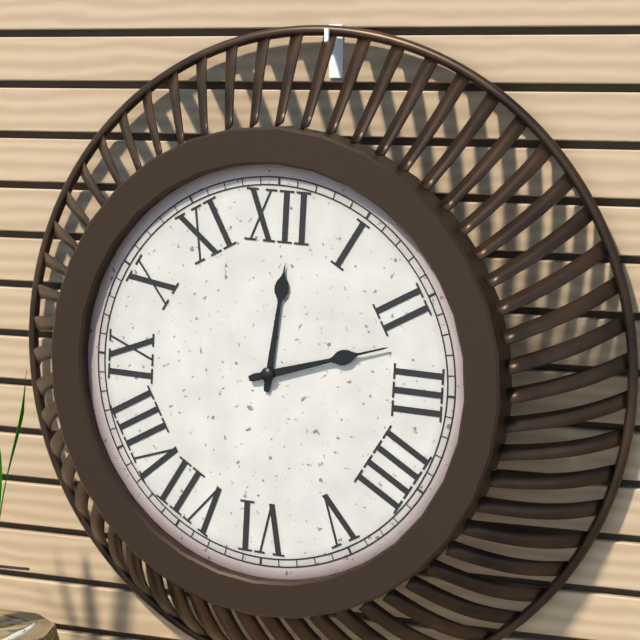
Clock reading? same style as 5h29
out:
12h12
